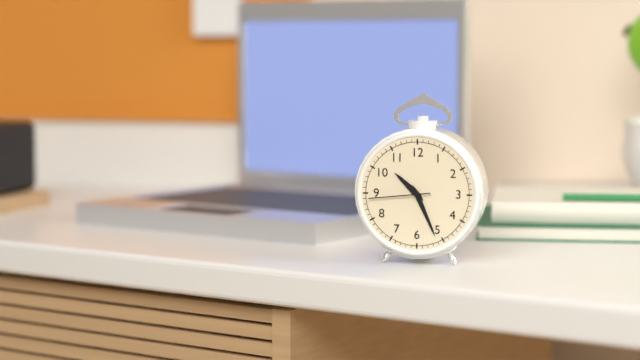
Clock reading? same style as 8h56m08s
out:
10h26m44s
